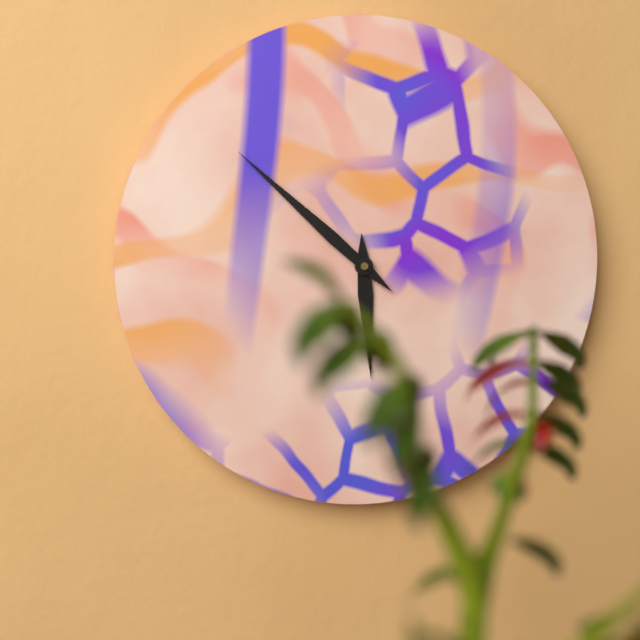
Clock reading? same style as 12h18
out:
5h52
